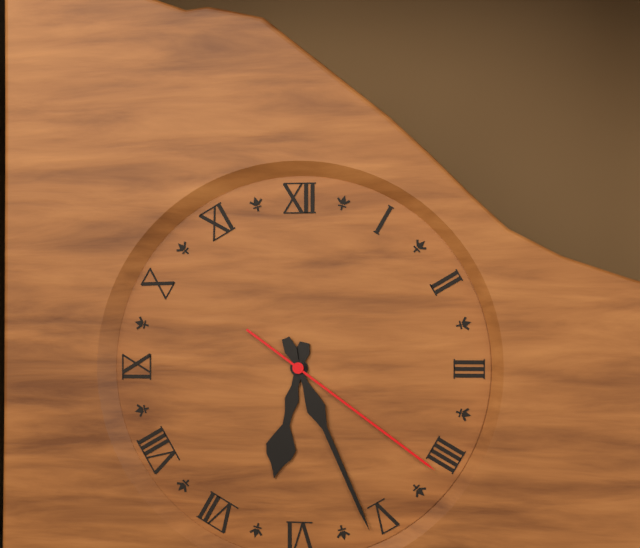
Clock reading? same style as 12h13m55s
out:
6h26m21s
